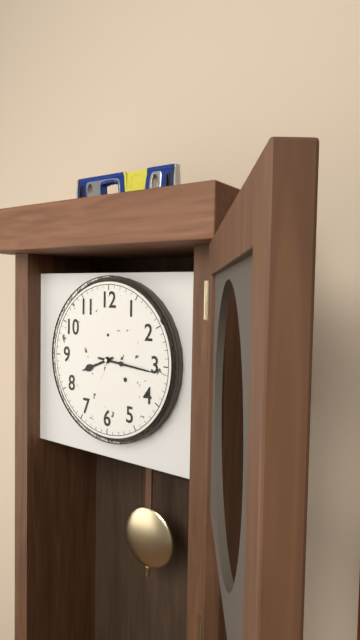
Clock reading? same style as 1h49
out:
8h16
